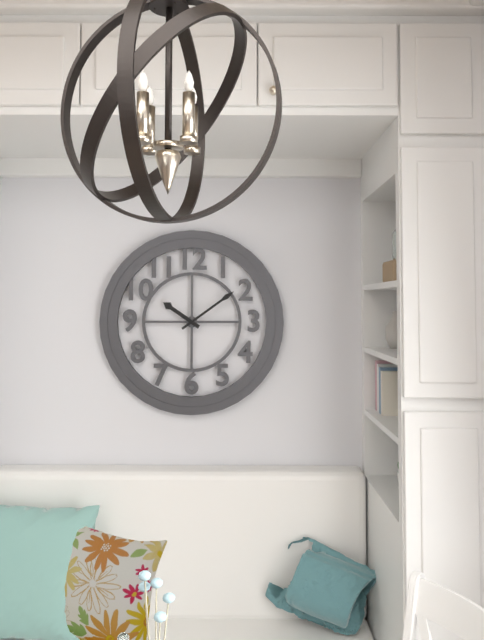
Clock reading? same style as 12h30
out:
10h09
